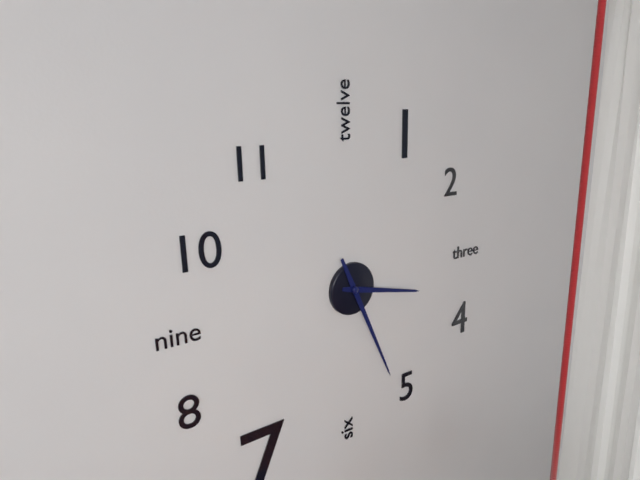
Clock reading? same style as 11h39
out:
3h26
